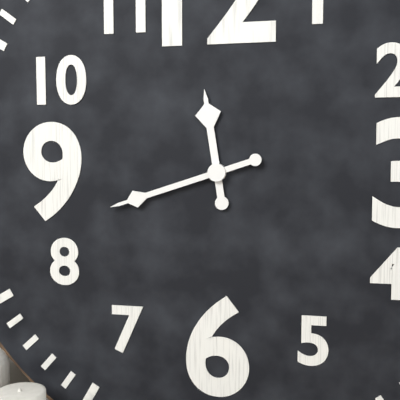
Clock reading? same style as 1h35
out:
11h42
